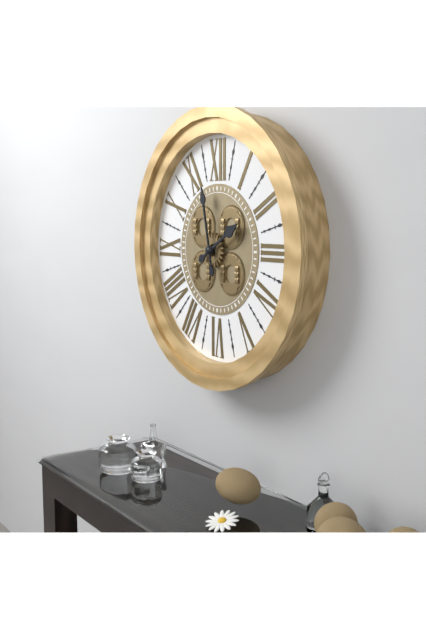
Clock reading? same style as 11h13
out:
1h58
